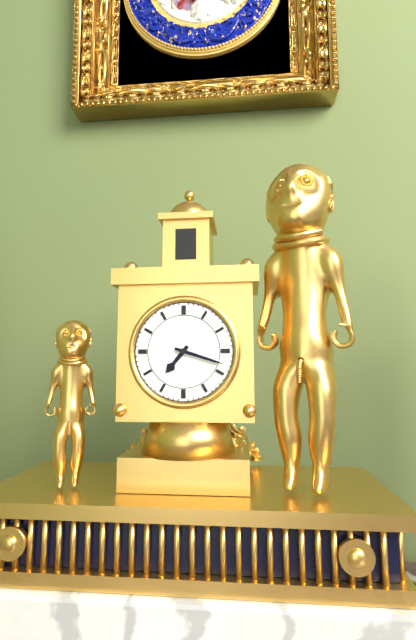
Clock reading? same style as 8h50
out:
7h18
